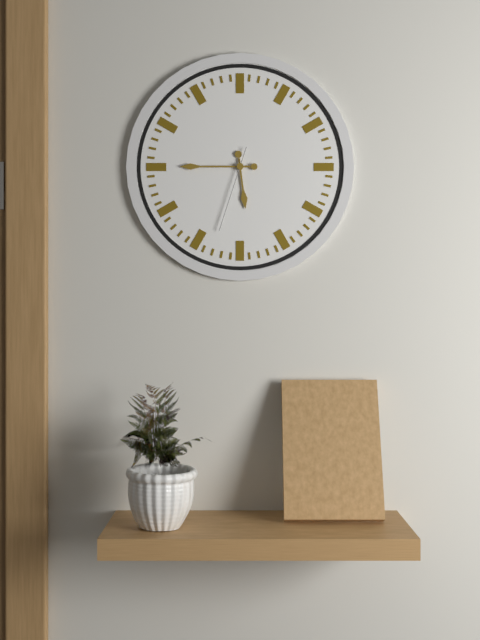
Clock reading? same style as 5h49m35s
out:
5h45m33s
